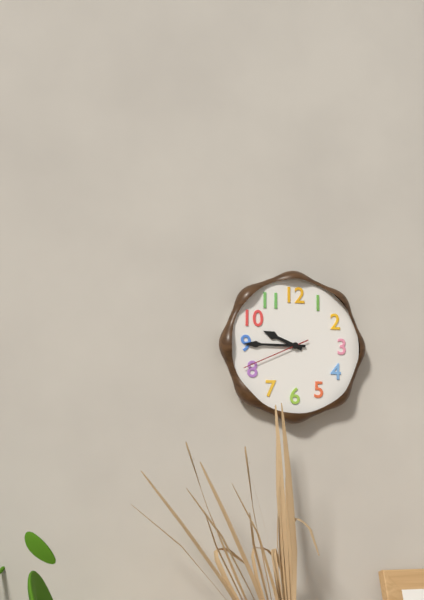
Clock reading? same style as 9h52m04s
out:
9h45m41s
